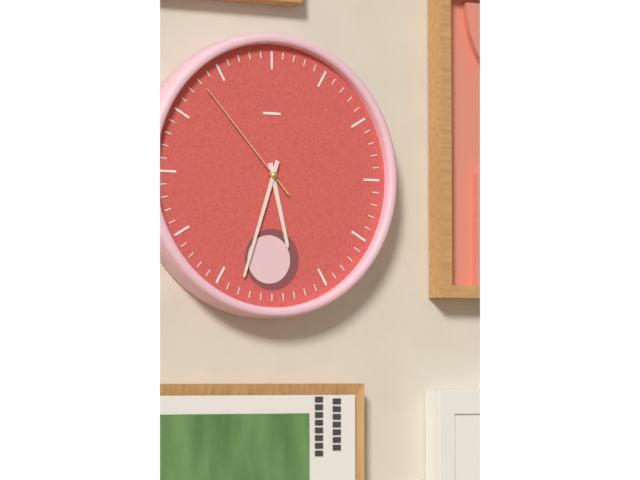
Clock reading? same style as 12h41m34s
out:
5h33m53s
